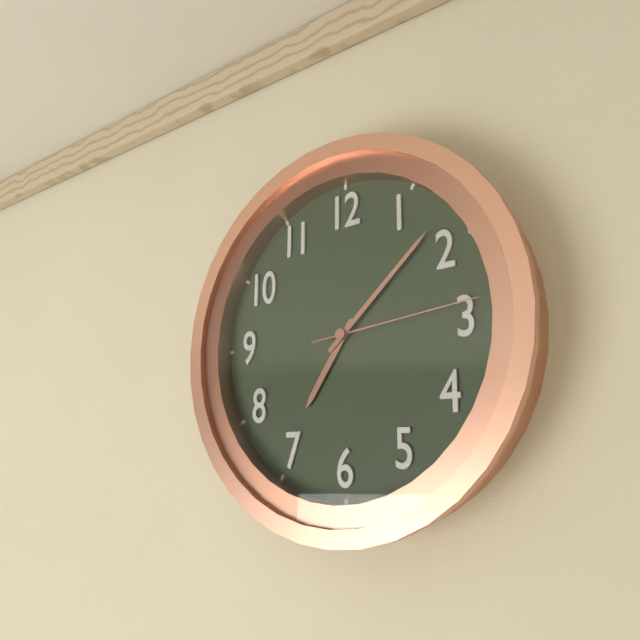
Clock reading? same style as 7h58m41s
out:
7h08m14s
